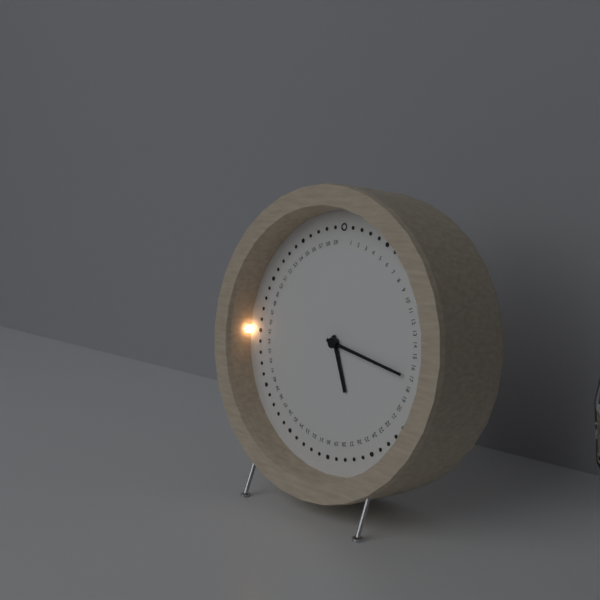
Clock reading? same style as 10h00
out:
5h17
